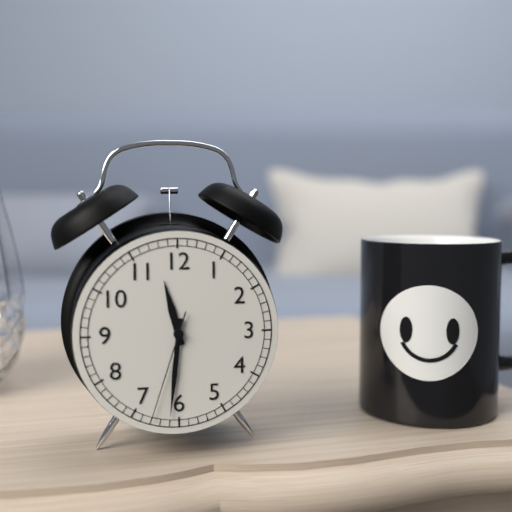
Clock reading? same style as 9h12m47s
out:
11h31m33s
